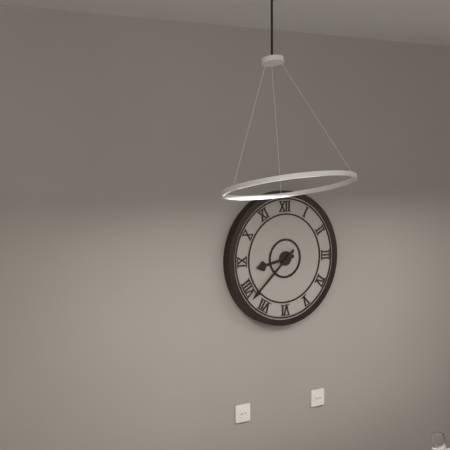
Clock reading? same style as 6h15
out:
8h38
